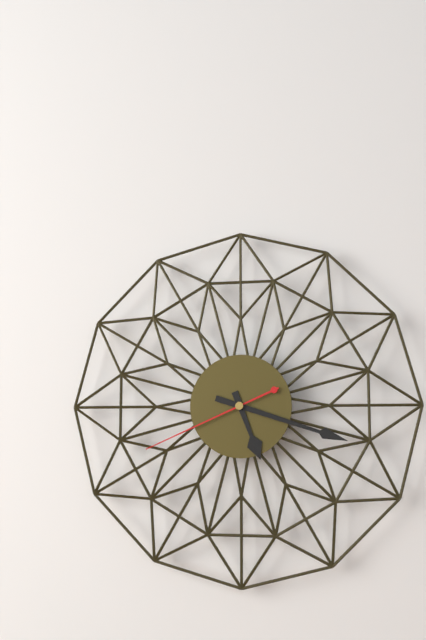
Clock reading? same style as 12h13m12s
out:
5h18m41s
